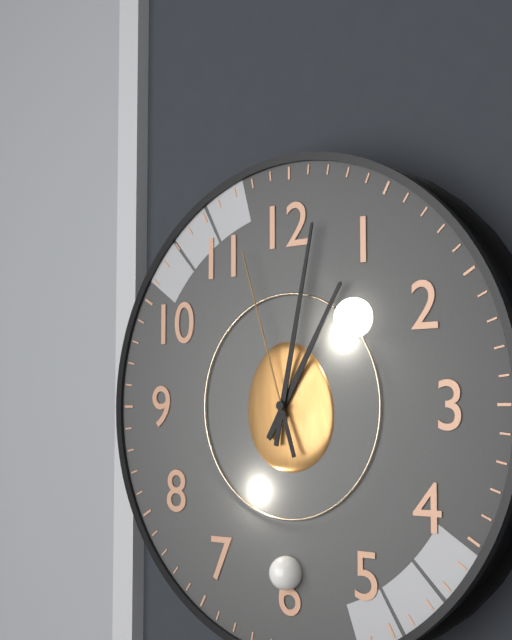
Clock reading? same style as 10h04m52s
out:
1h02m57s
